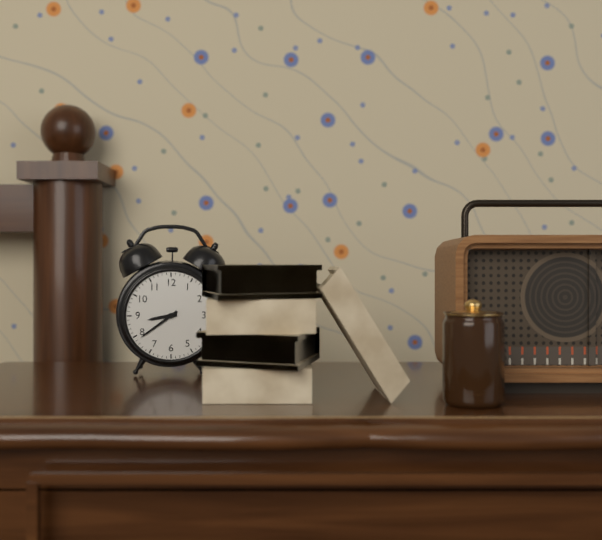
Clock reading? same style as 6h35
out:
8h39
